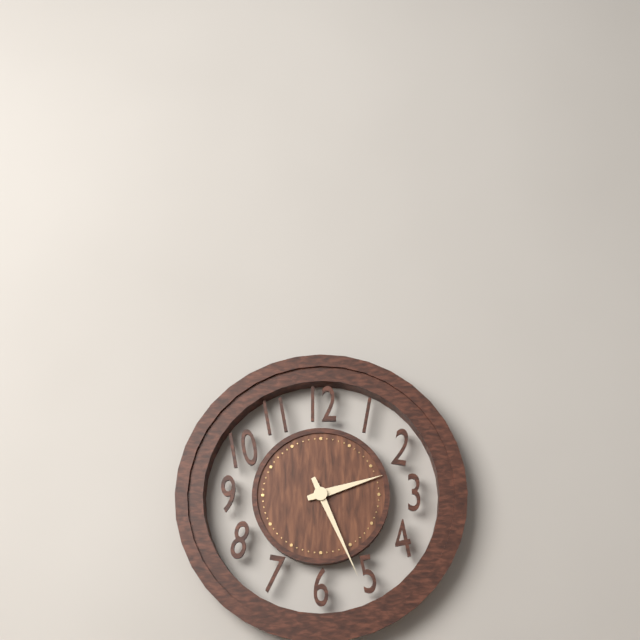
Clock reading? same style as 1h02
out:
2h26
